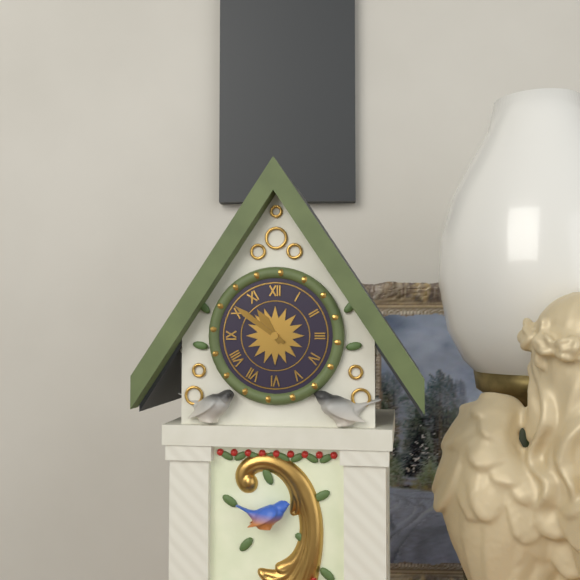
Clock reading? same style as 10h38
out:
10h51
